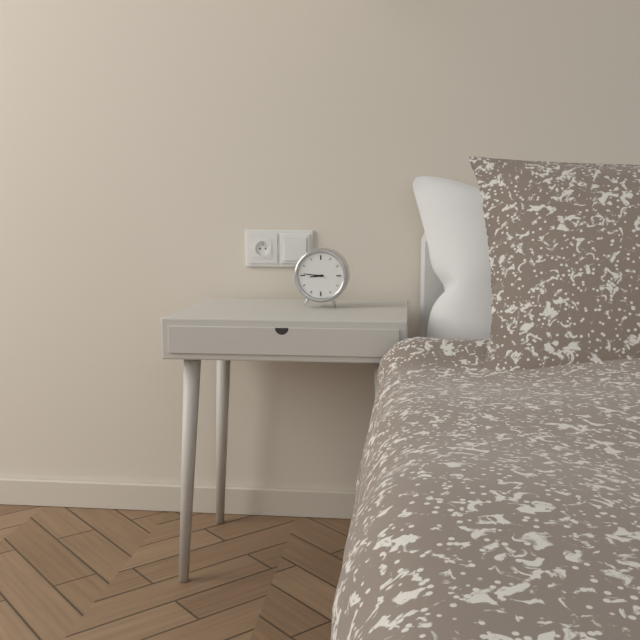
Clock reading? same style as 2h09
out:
8h46
